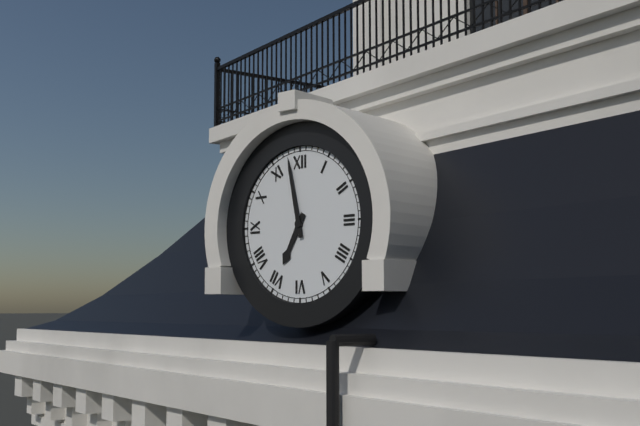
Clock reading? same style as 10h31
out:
6h58
